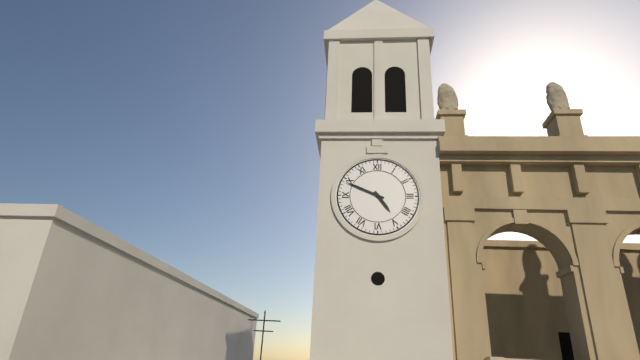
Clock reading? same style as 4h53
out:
4h49
